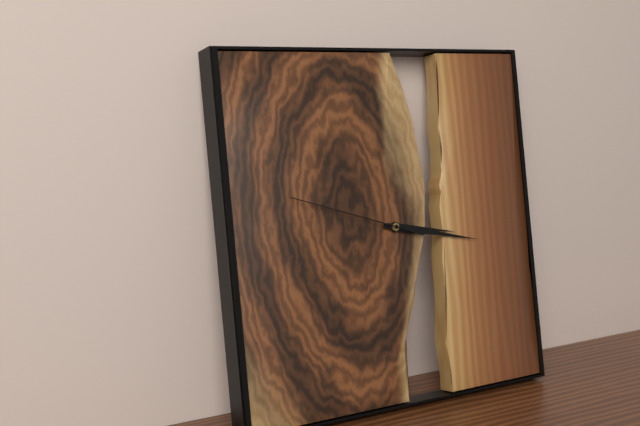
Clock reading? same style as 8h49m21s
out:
3h17m48s
